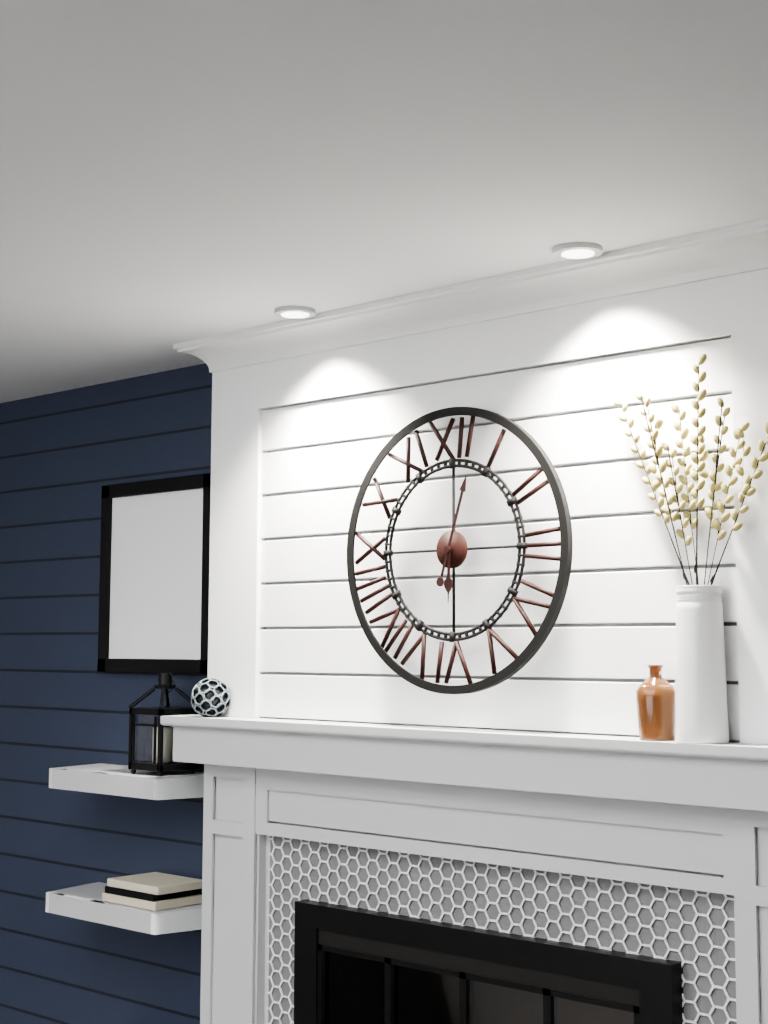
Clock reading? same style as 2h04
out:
6h03
